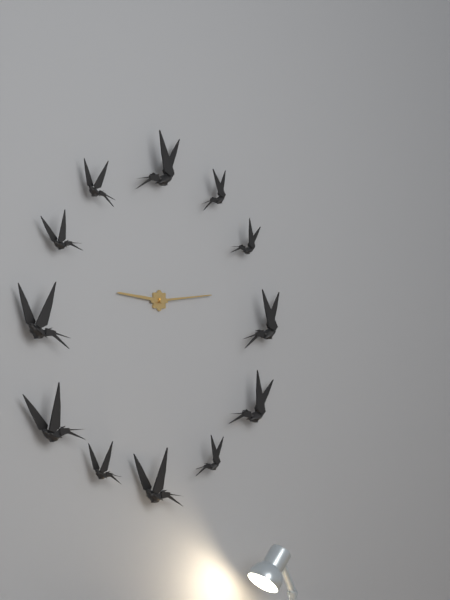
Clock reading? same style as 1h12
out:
9h14
